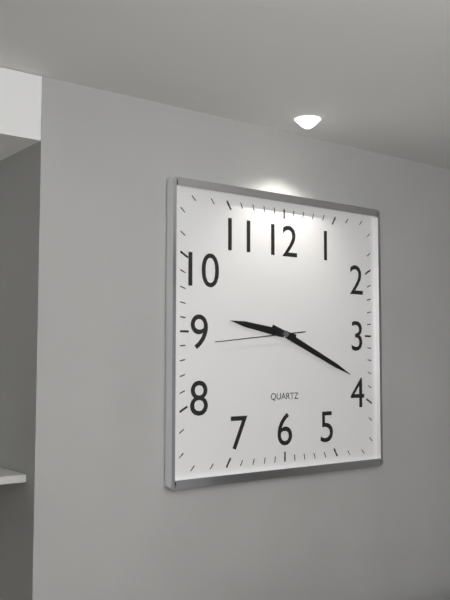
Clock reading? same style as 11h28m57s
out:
9h19m44s
